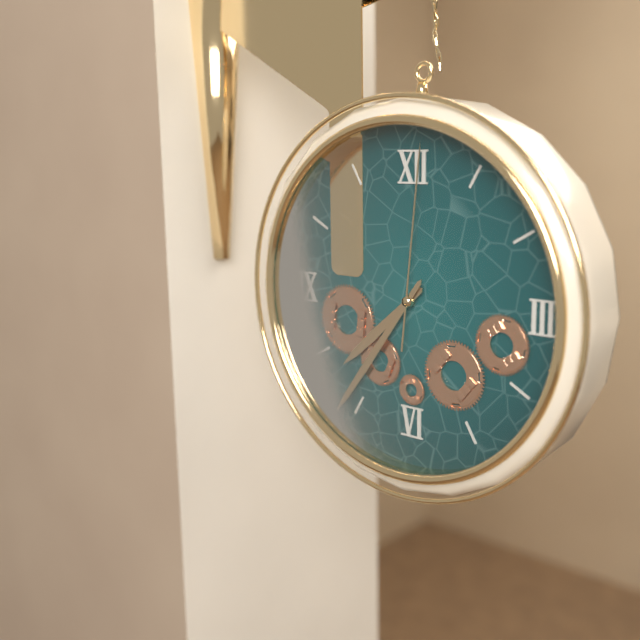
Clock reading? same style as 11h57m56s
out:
7h36m01s
